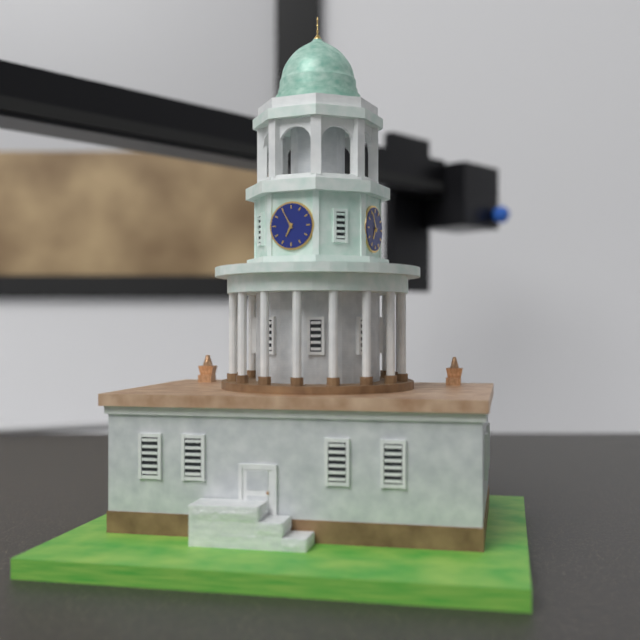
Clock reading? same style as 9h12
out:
6h55
